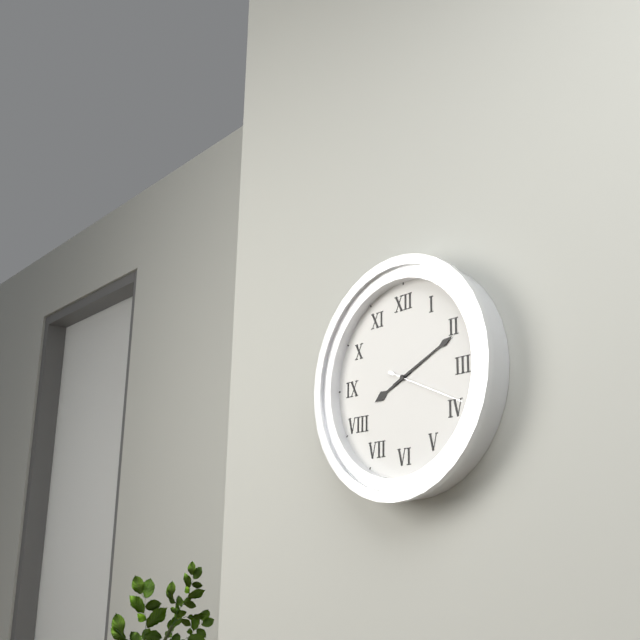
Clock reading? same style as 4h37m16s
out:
8h11m19s
